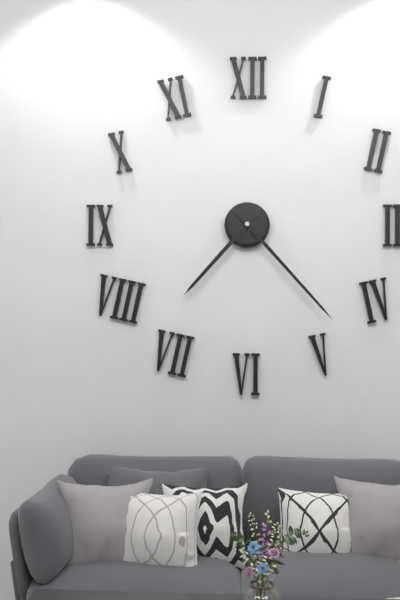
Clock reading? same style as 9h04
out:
7h23
